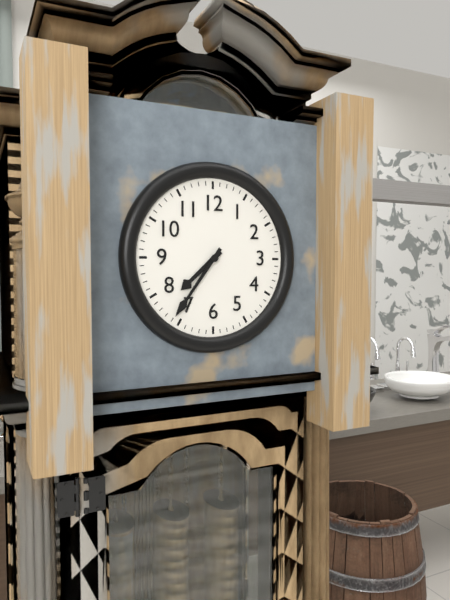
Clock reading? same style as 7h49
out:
7h36
